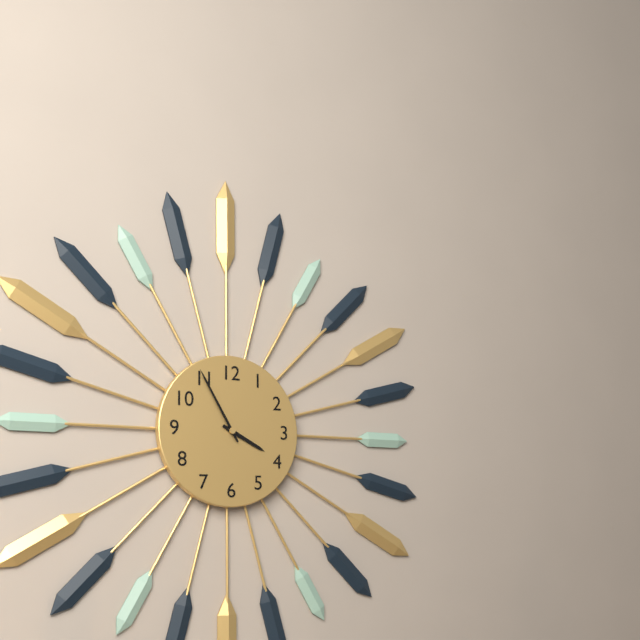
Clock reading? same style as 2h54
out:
3h55
